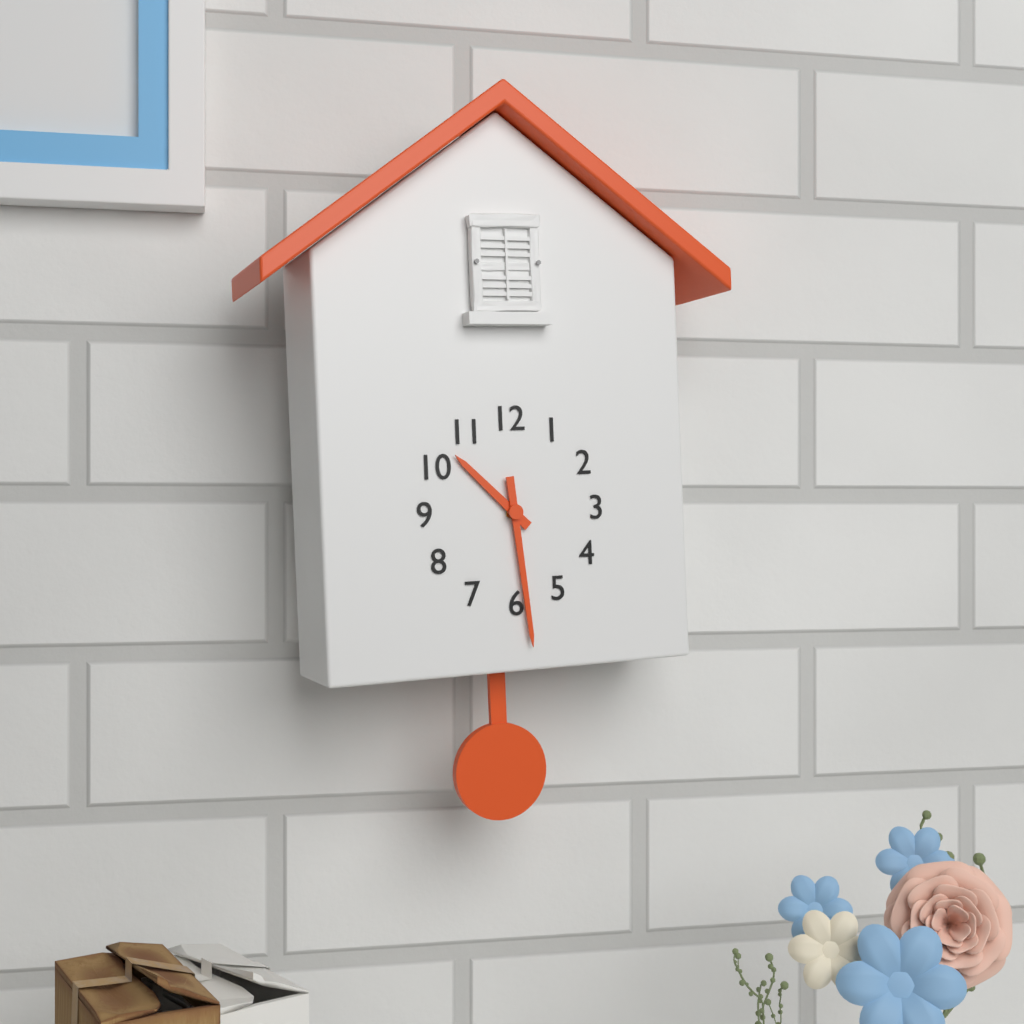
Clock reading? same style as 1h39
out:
10h29
